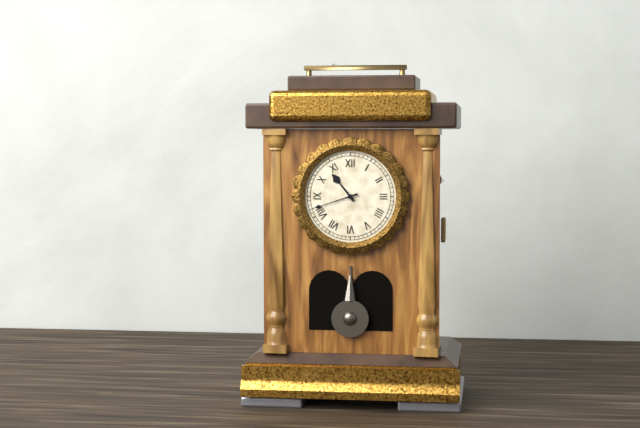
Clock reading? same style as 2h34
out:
10h42
